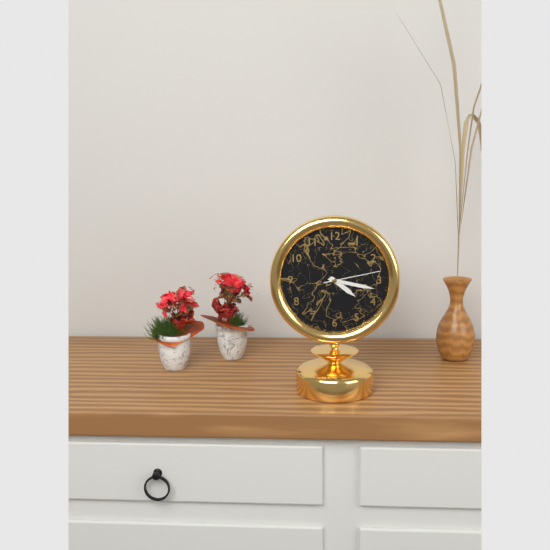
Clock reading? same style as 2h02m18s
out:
4h17m13s
